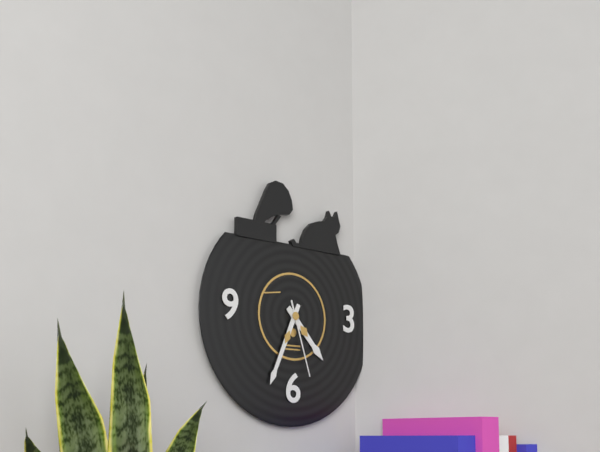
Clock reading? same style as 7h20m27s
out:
4h34m27s
